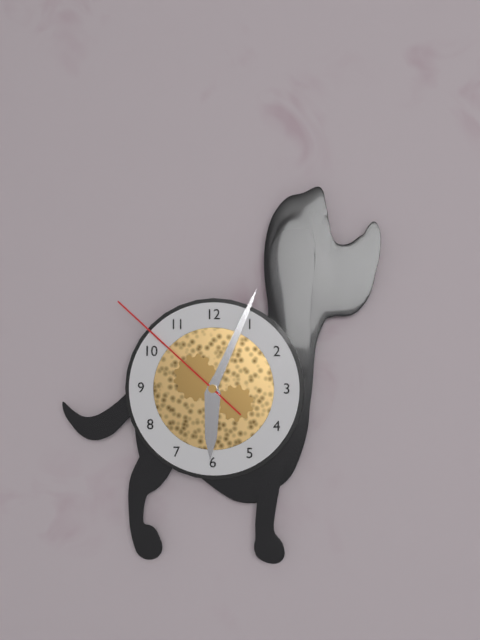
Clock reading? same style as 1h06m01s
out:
6h04m52s
